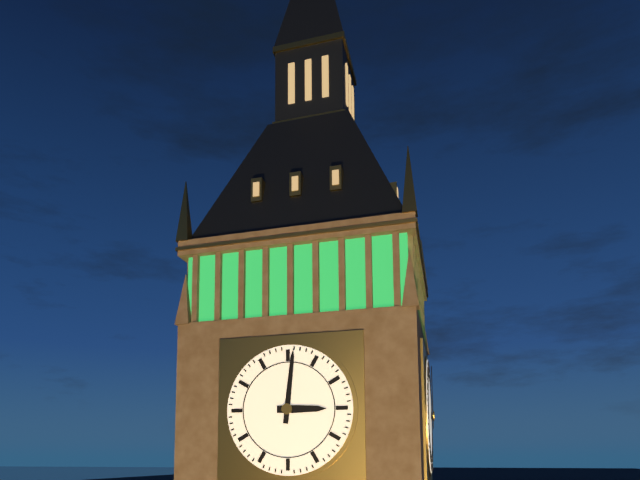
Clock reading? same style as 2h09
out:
3h01
